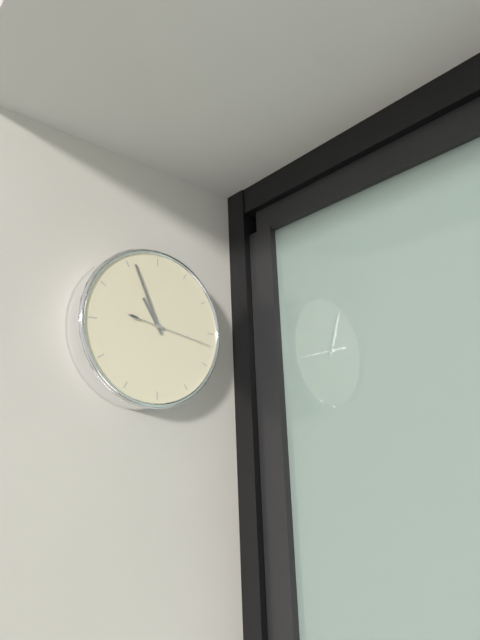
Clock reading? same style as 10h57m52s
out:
10h56m17s
